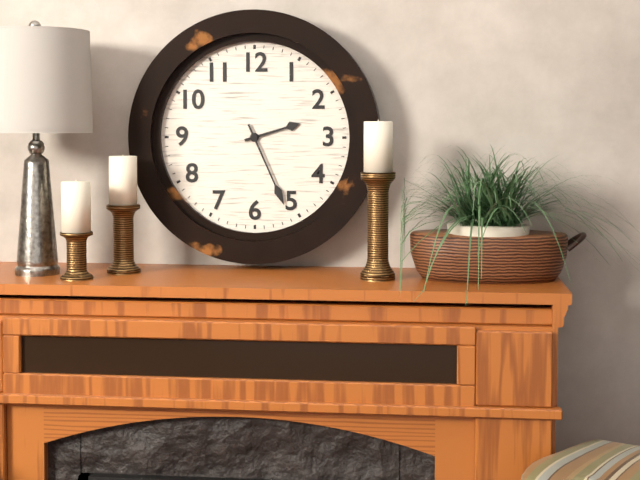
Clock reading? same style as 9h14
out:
2h26
